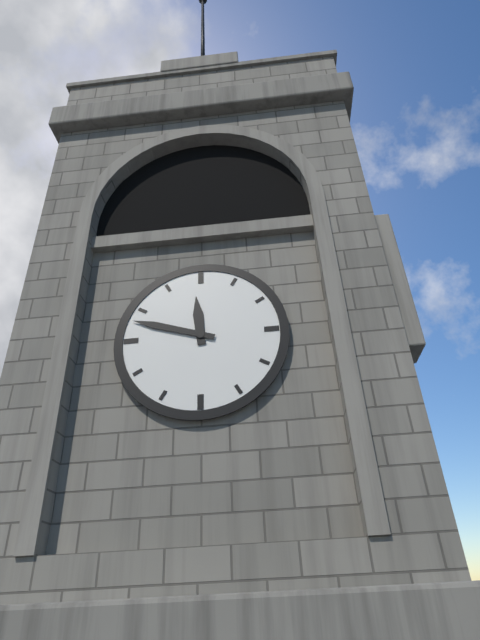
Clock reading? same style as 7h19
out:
11h48
